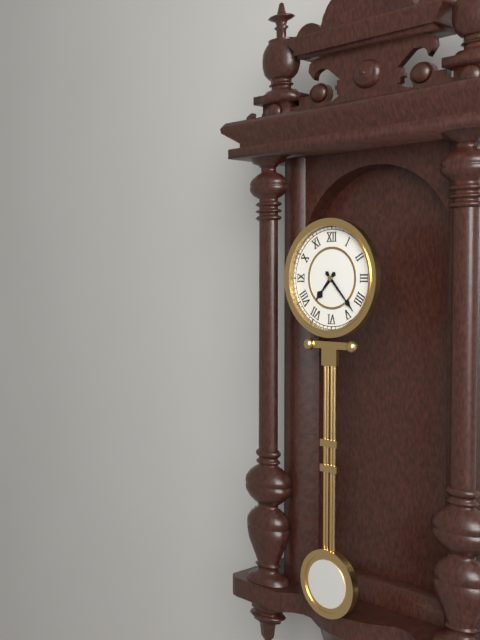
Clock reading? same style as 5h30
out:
7h23
